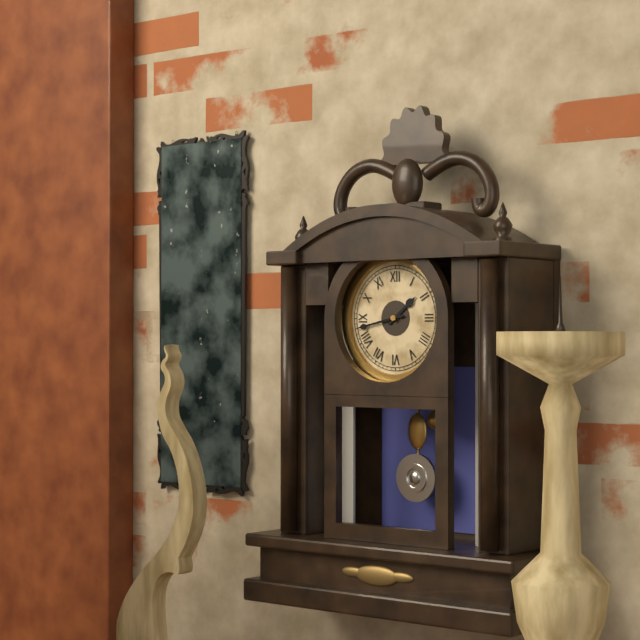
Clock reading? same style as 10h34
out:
1h43
